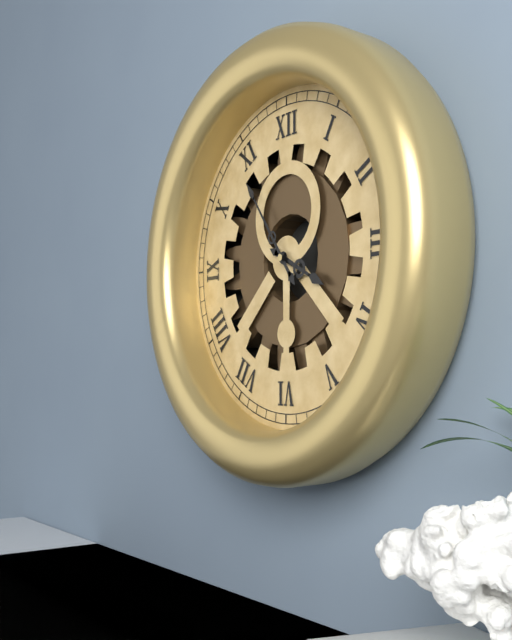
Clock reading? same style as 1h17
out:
3h54
